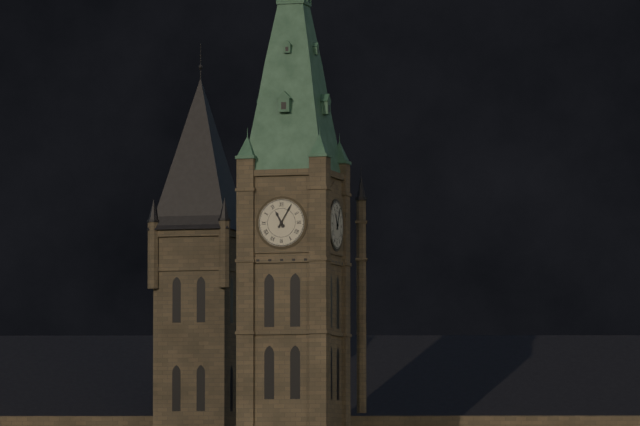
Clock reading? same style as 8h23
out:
11h05
